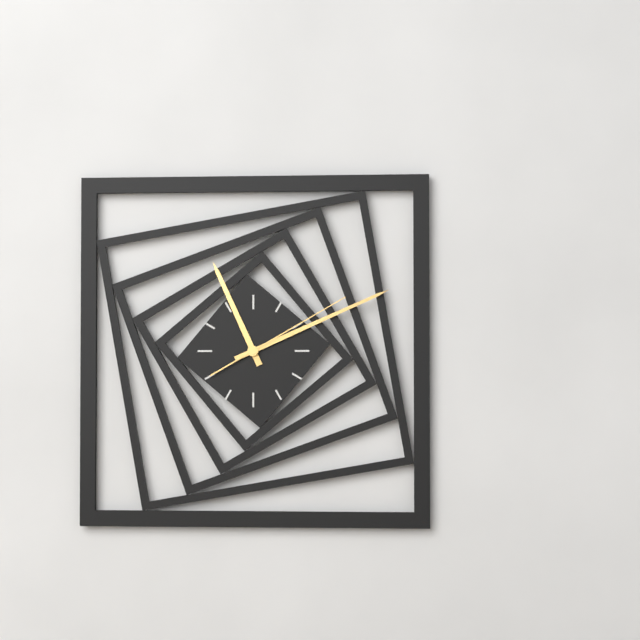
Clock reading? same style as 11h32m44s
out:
11h11m10s
